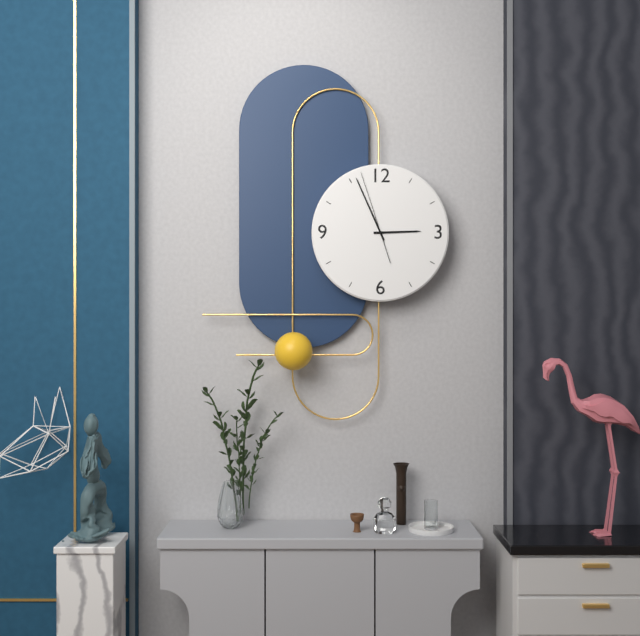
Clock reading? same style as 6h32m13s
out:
2h56m57s
